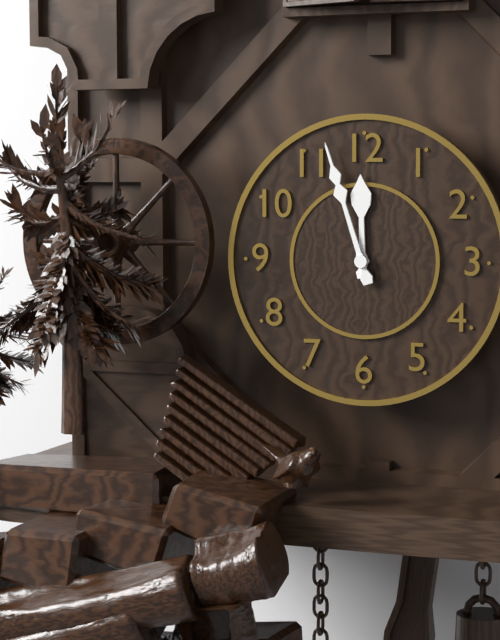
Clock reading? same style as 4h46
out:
11h57
